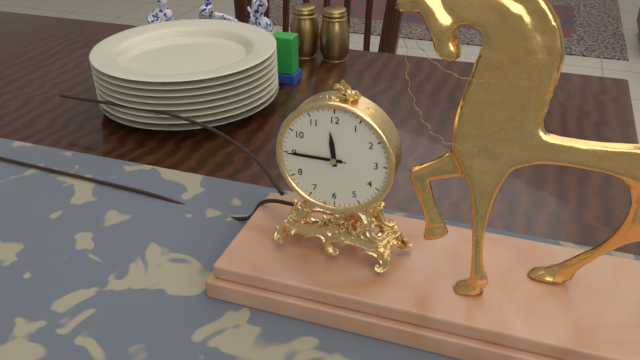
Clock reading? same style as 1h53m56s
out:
11h45m45s
